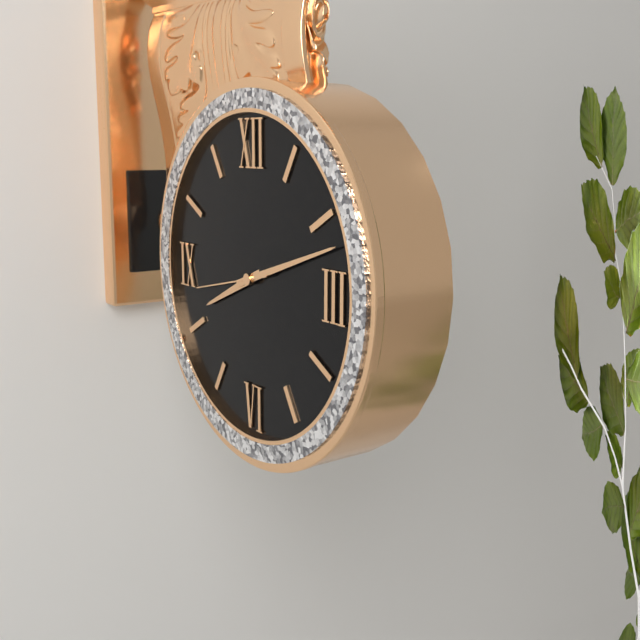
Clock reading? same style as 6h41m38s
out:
8h12m43s
